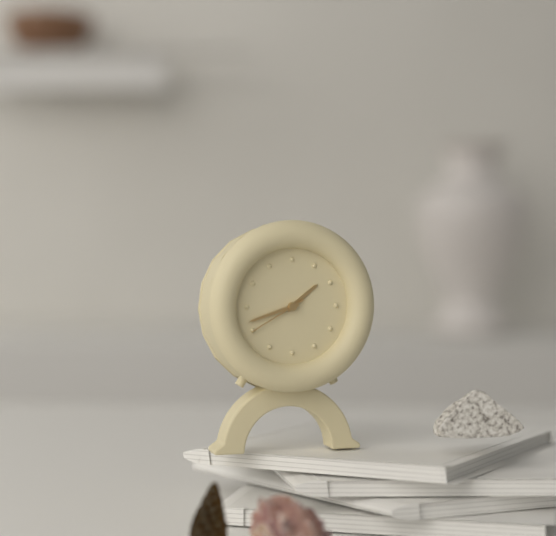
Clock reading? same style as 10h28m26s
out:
1h42m40s
